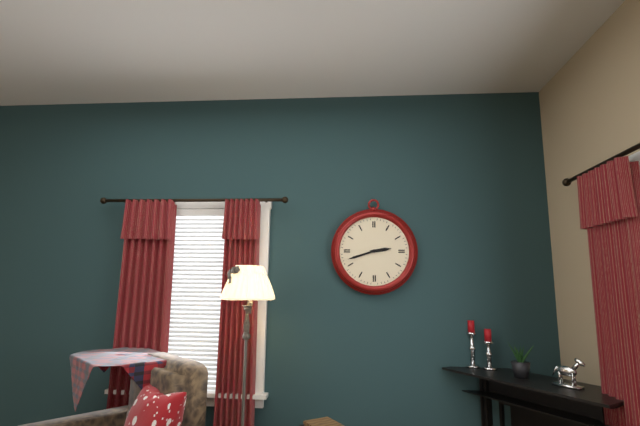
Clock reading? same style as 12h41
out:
2h42
